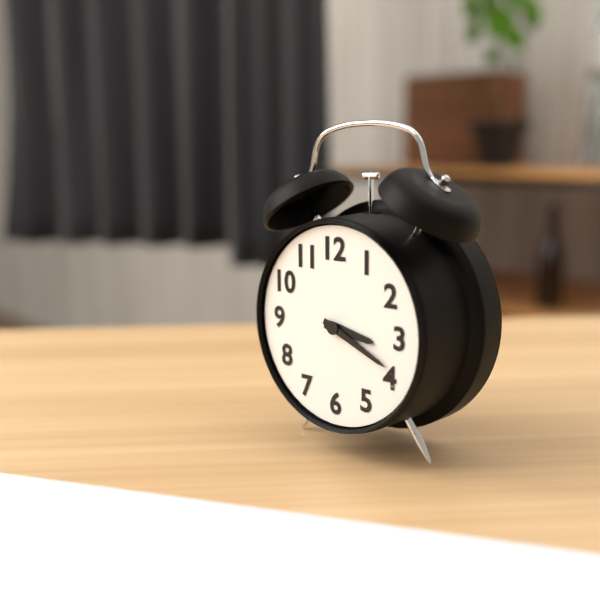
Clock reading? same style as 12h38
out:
3h19
